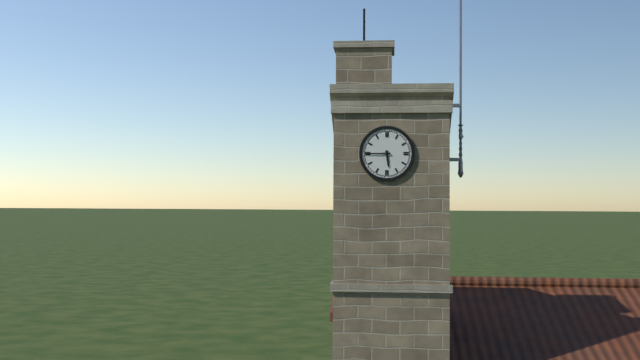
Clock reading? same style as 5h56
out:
5h45
